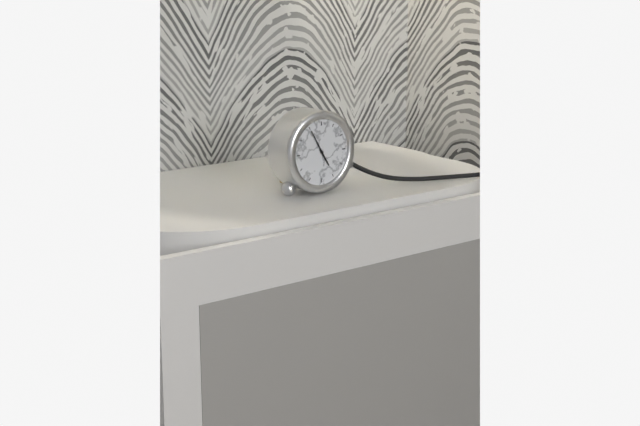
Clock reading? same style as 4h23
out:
4h55
